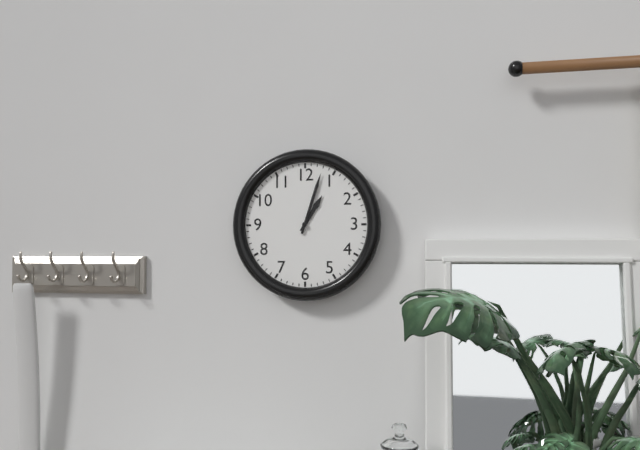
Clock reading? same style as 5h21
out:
1h03
